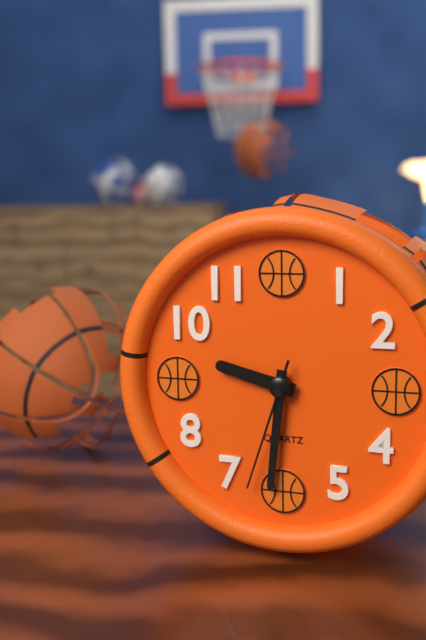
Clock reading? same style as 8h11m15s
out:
9h31m33s
